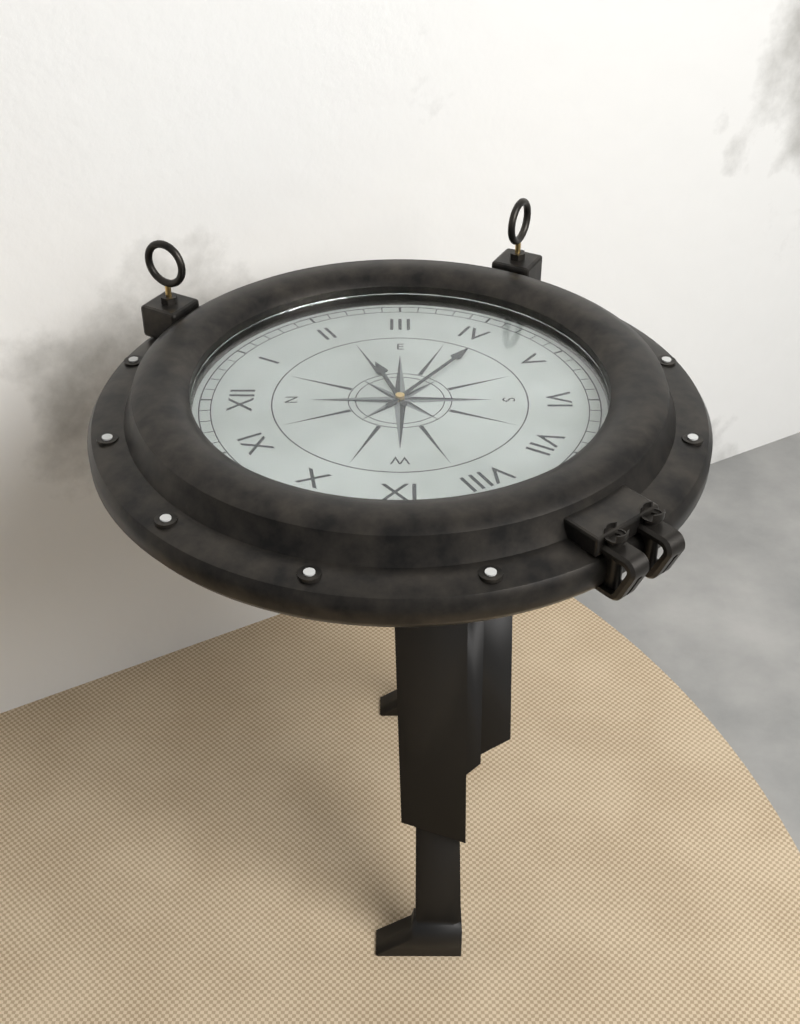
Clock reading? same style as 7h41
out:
2h21
